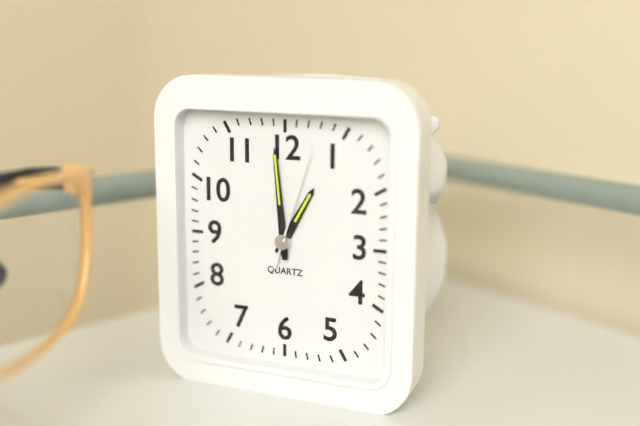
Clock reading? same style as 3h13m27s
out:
12h59m03s
